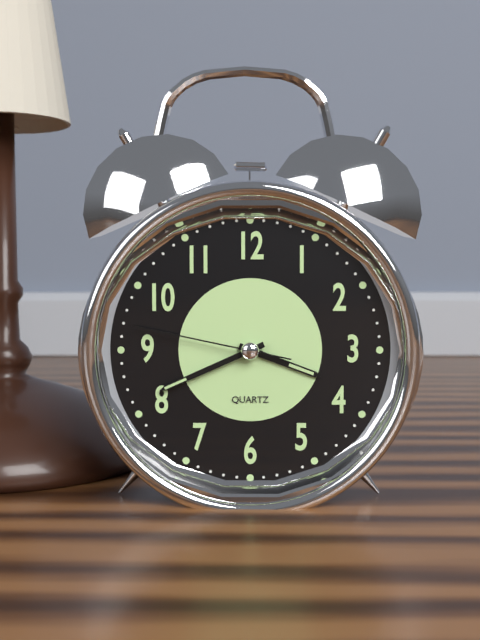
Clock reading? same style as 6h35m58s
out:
3h41m47s
